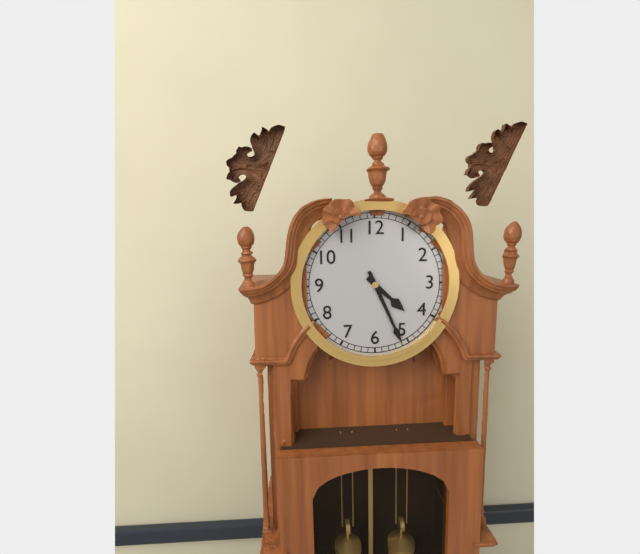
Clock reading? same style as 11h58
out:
4h26
